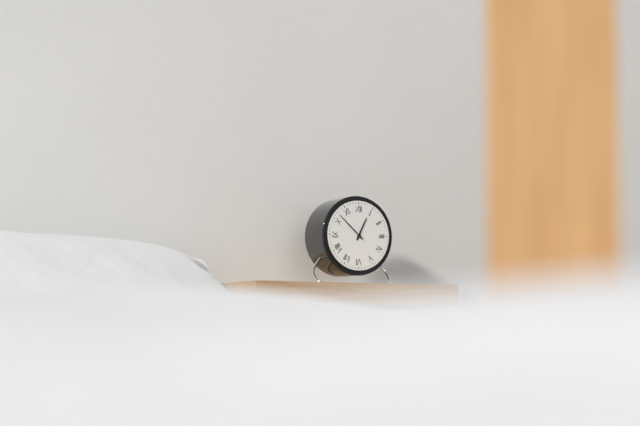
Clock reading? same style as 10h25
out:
12h52
